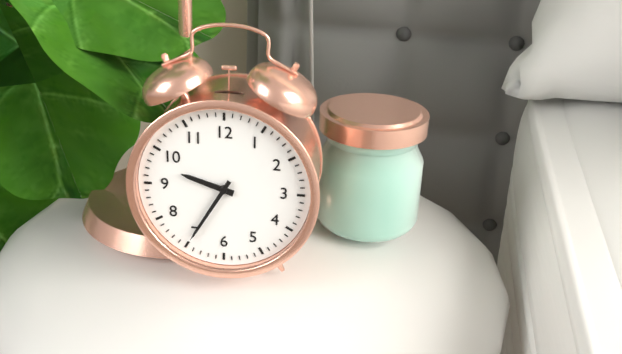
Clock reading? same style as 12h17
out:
9h35
